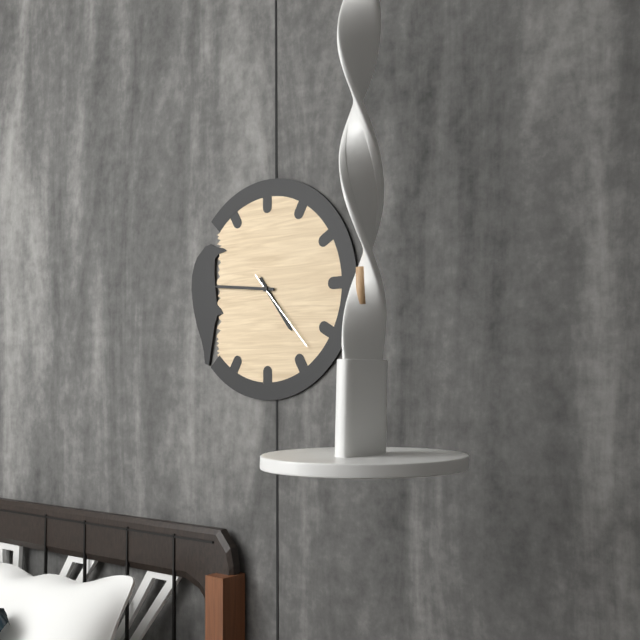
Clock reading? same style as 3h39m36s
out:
4h46m23s
